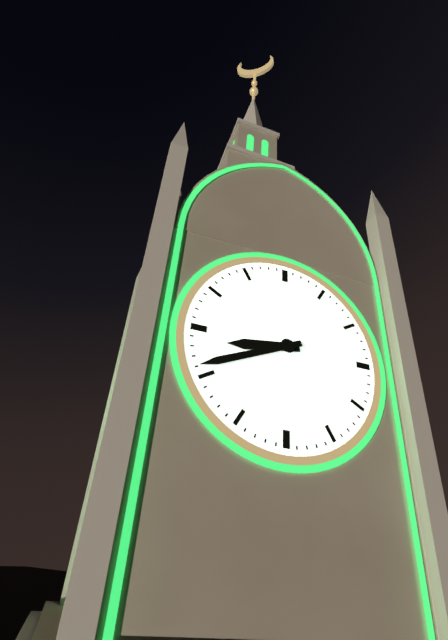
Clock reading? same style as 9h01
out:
8h41
